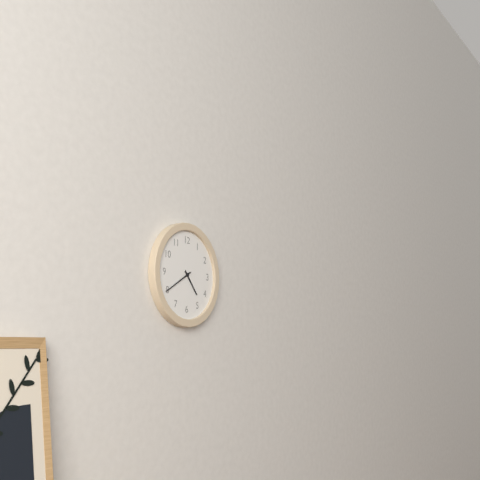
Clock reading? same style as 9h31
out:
4h40
